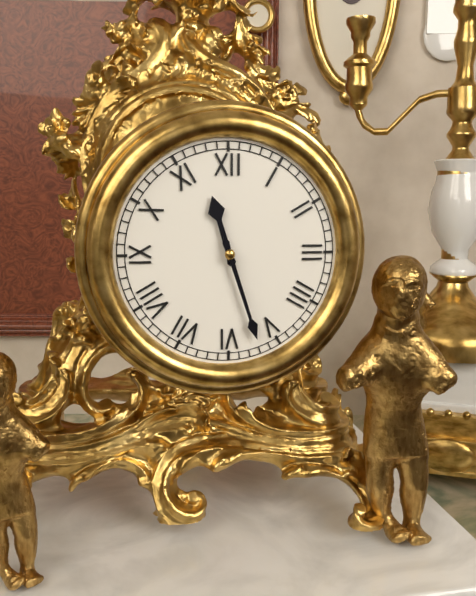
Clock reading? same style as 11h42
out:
11h27
